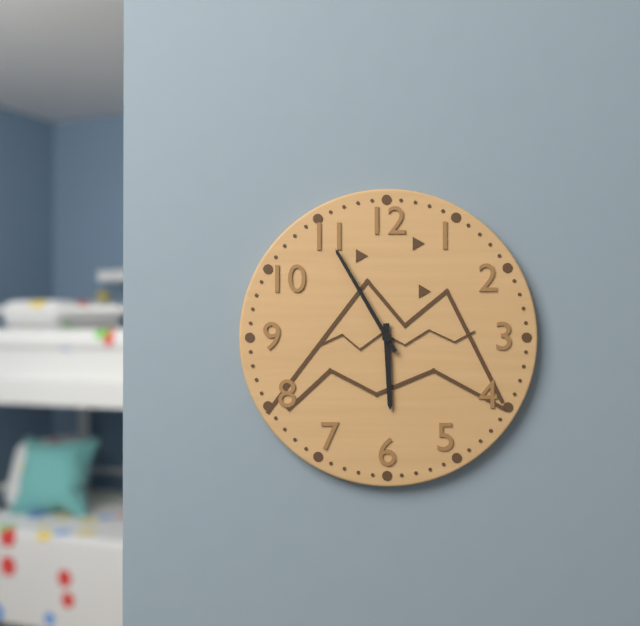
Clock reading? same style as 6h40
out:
5h55
